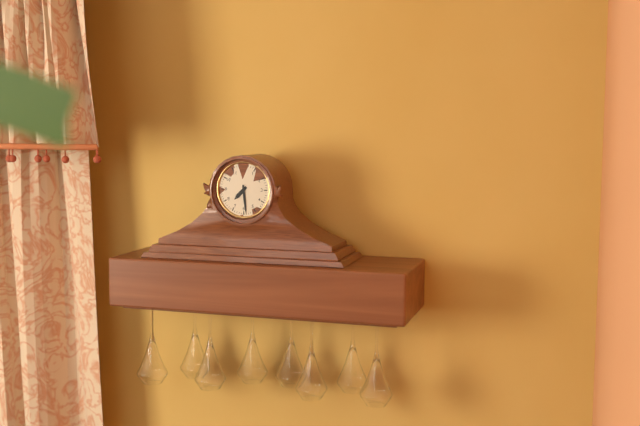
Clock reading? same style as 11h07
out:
7h29
